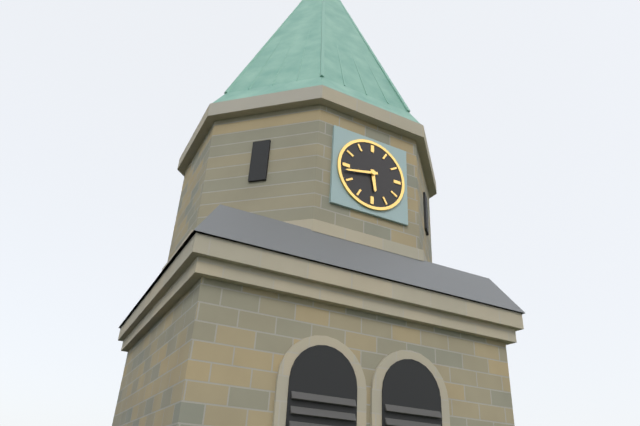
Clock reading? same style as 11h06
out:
5h43
